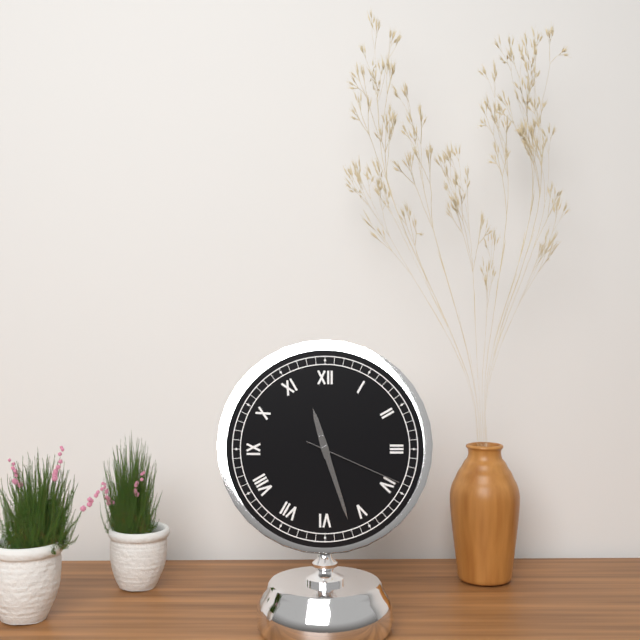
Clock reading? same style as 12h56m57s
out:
11h27m19s
